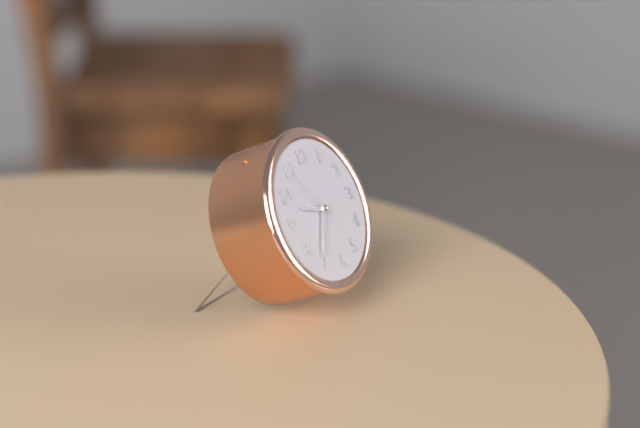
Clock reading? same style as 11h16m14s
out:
9h36m54s
